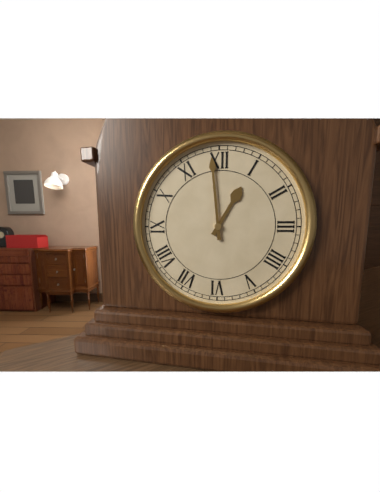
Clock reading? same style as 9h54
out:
12h59
